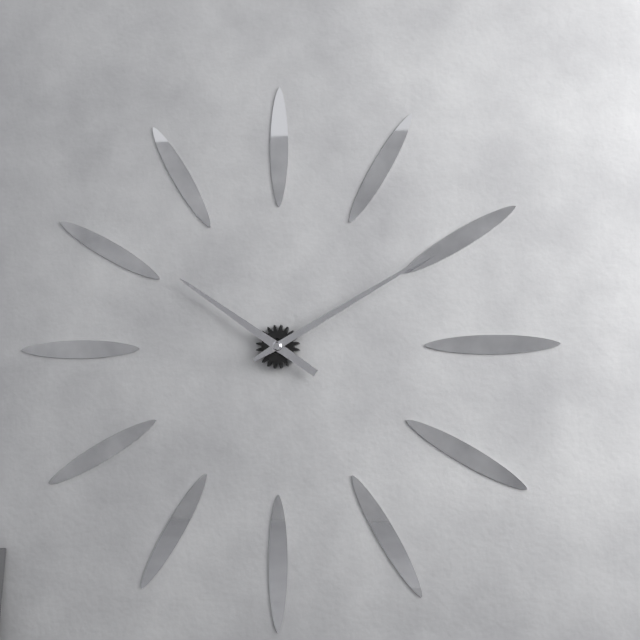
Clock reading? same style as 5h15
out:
10h10
